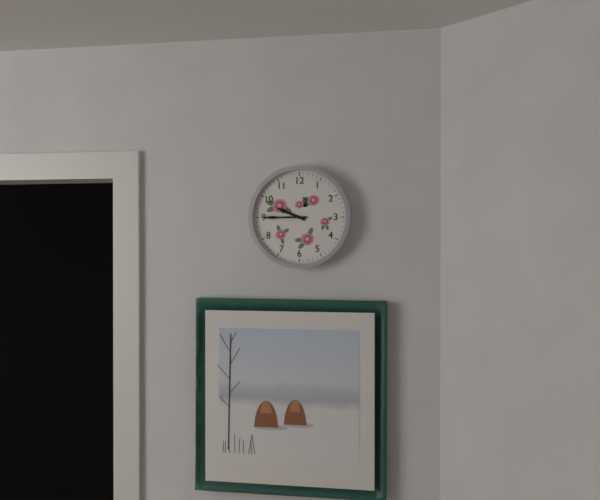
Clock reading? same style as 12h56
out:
9h45
